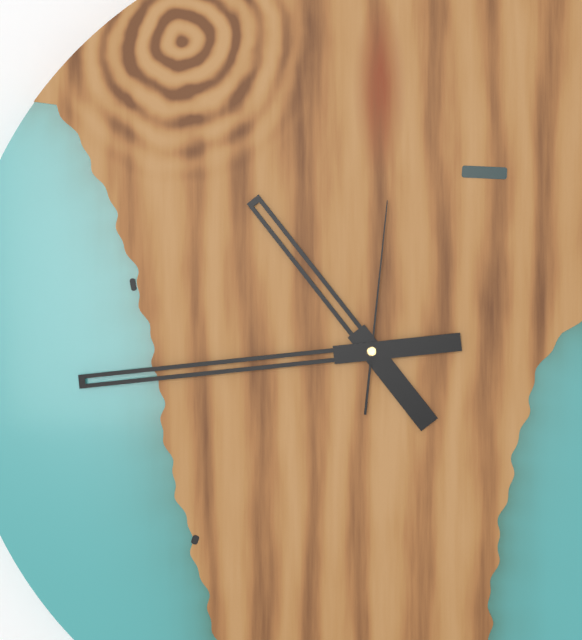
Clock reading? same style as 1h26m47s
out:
10h44m01s
